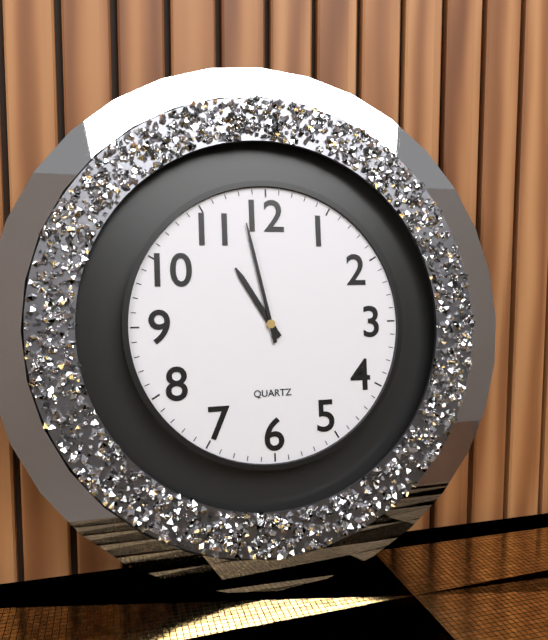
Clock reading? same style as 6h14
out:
10h58
